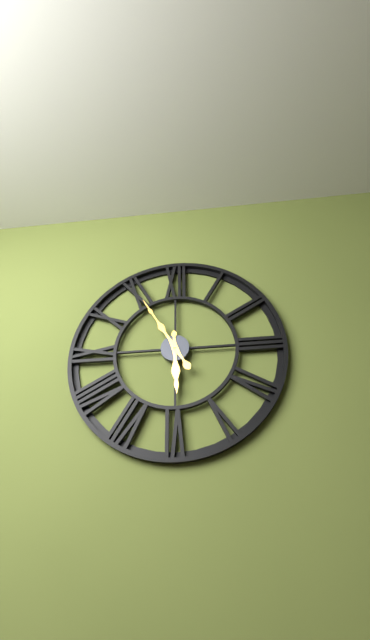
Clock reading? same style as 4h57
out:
5h55
